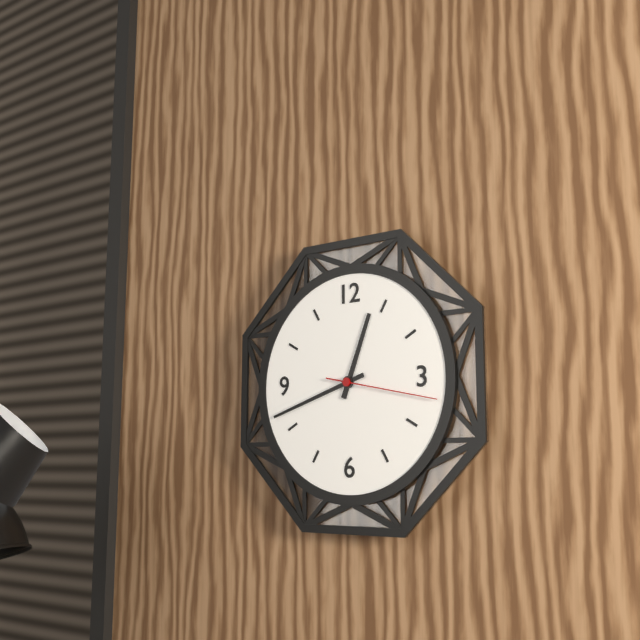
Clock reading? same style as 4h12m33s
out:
12h42m17s
